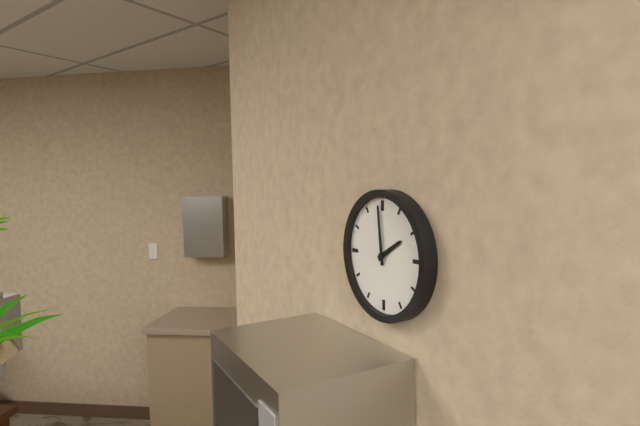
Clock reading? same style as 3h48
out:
1h59
